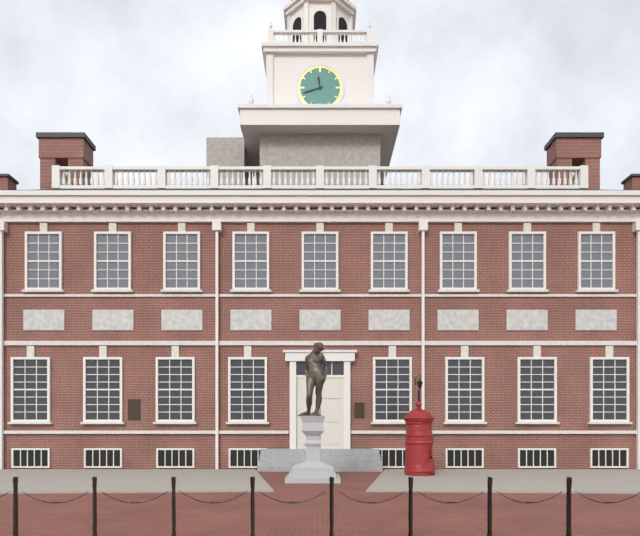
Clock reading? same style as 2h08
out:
11h42
